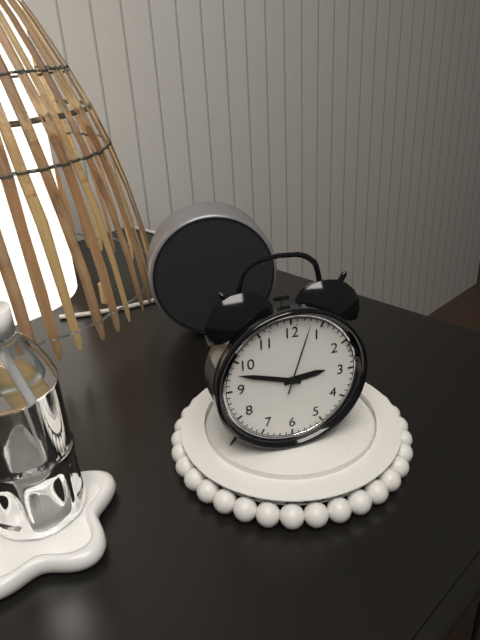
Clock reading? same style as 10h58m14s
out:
2h48m03s
